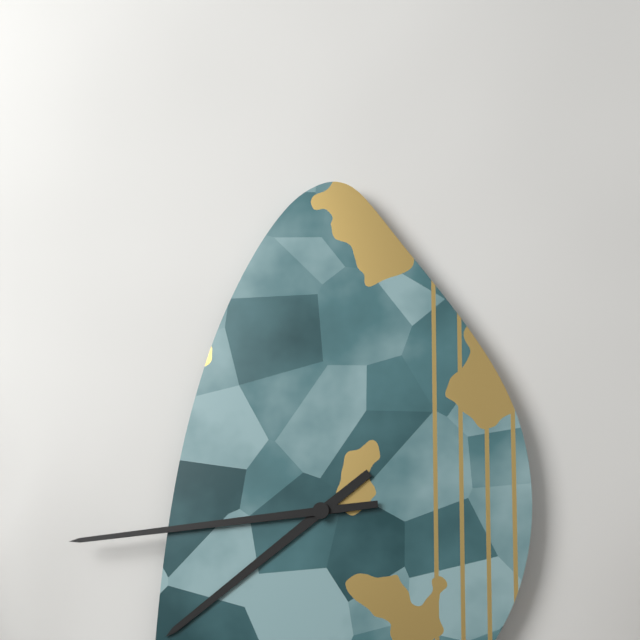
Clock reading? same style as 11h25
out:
7h44
